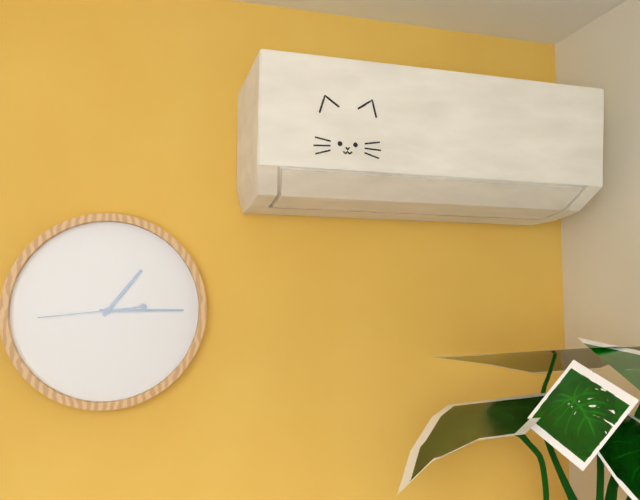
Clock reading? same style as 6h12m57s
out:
1h15m44s
